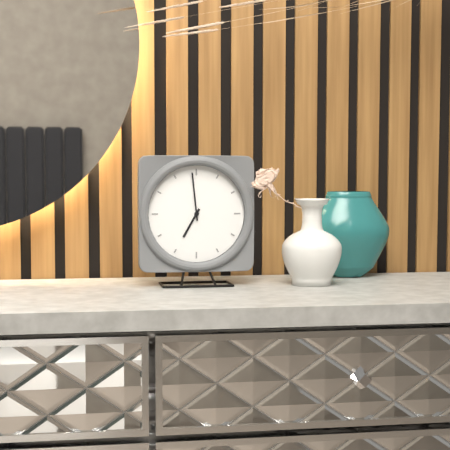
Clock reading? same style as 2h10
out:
6h59
